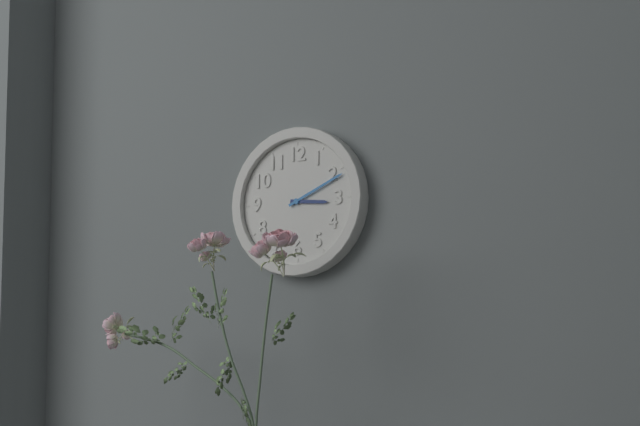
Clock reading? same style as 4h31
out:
3h11
